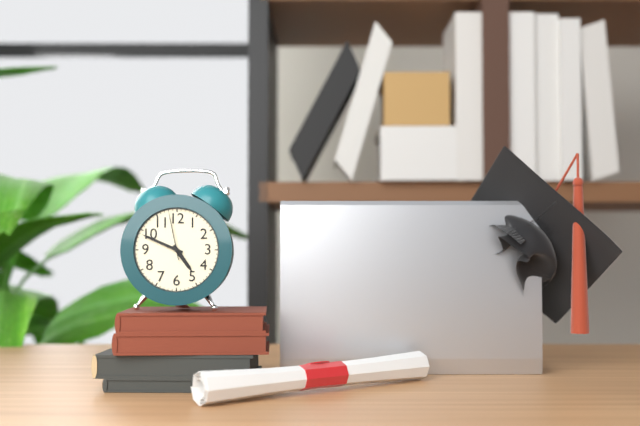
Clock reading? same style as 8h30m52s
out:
4h49m58s
